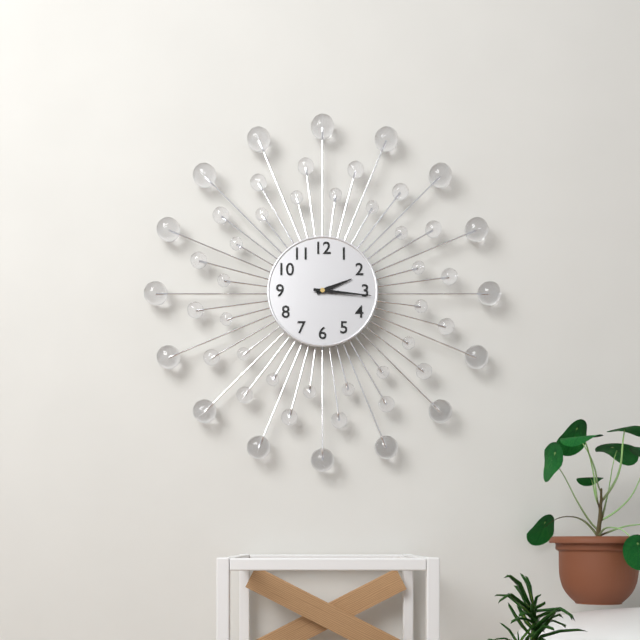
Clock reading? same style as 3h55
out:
2h16
